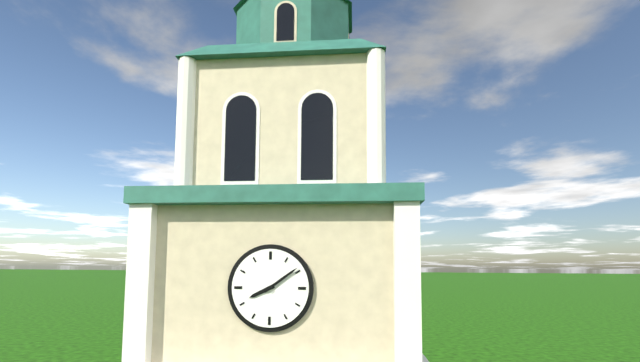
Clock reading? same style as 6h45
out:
8h09
